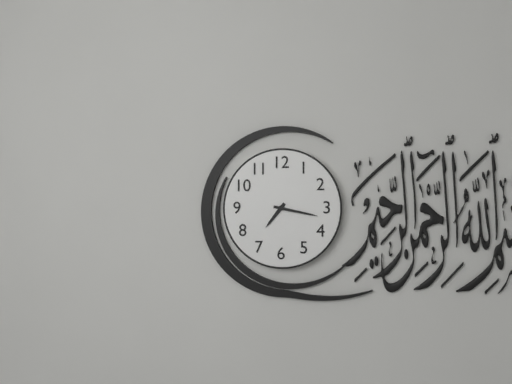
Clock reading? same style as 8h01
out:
7h17
